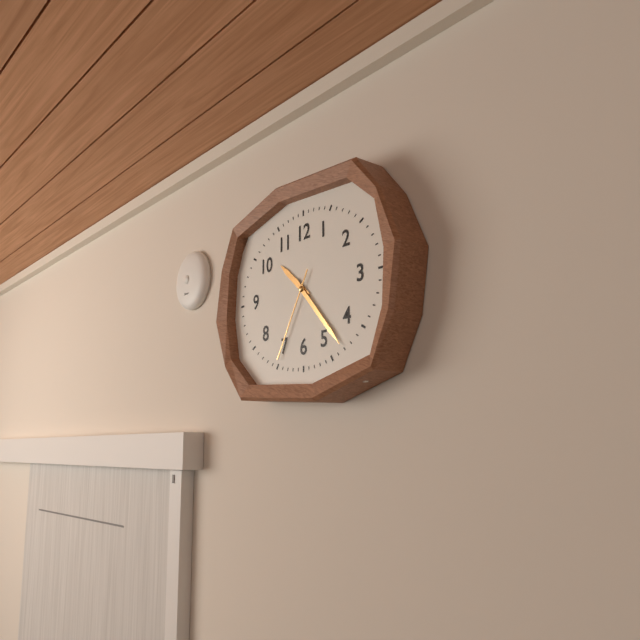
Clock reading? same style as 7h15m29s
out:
10h23m35s
